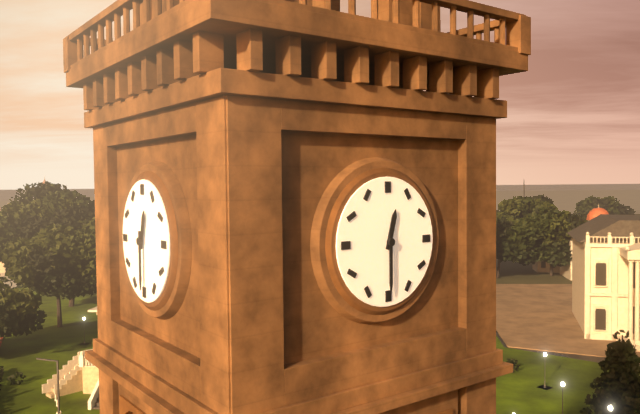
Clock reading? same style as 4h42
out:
12h30
